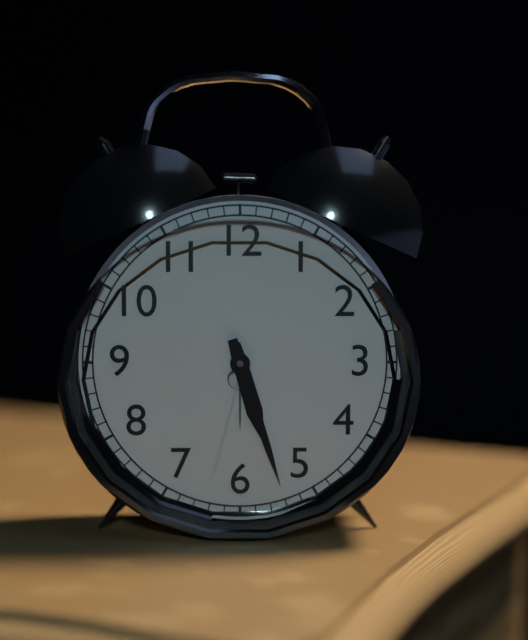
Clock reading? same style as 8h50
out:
5h27
